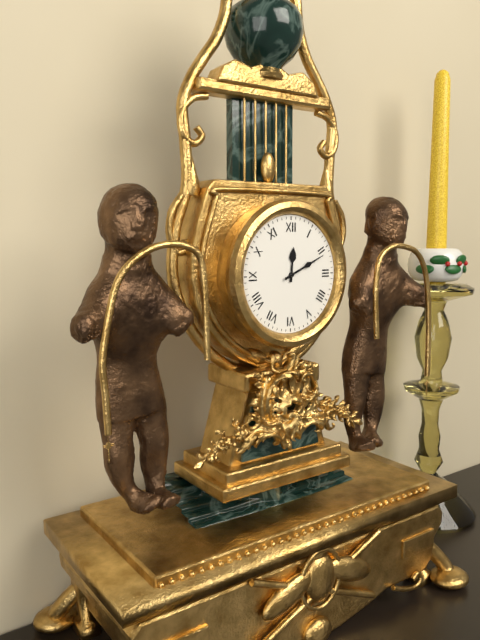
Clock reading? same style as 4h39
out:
12h11
